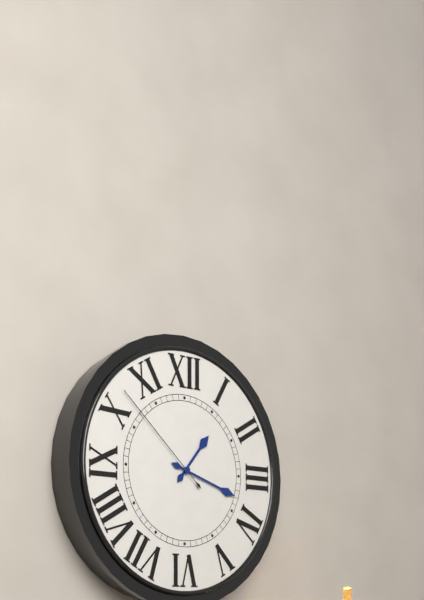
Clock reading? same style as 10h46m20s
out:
1h18m52s
